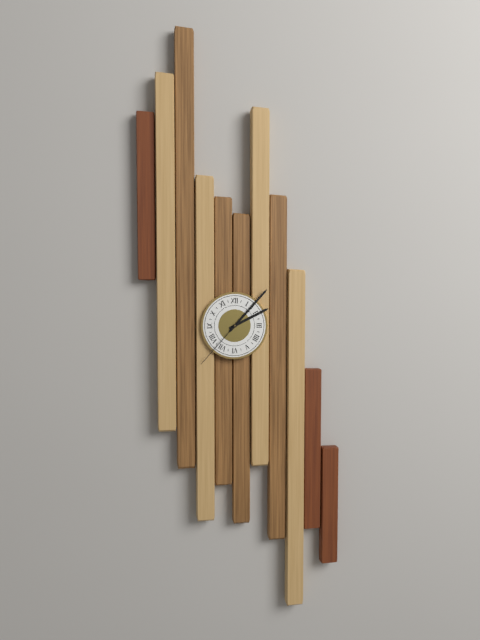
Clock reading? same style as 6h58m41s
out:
2h07m37s
